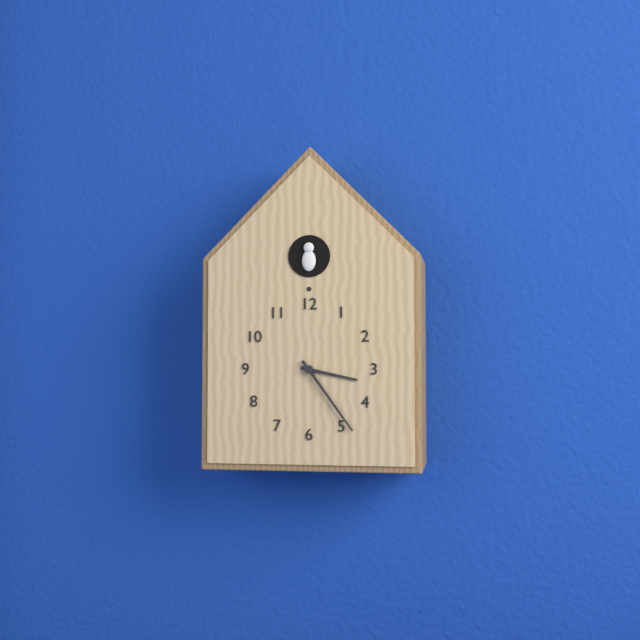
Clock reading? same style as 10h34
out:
3h24
